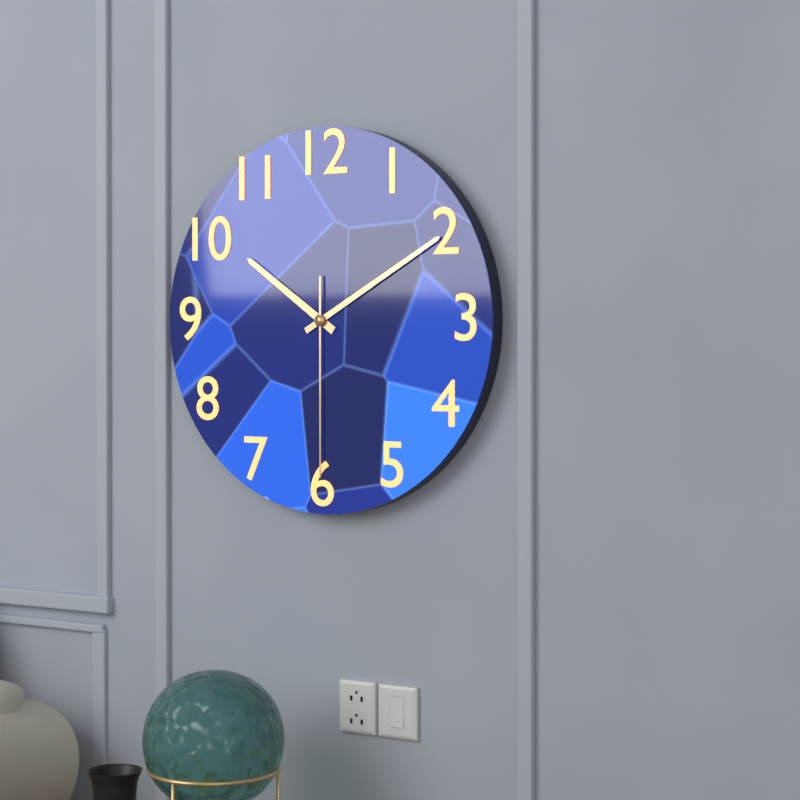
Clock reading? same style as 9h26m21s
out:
10h10m30s
